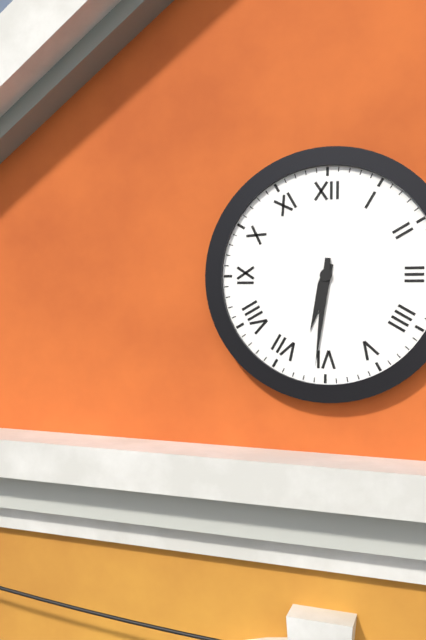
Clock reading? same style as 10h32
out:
6h31
